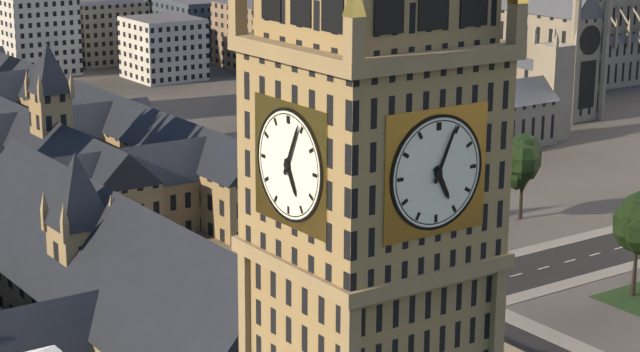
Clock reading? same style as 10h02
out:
5h04
